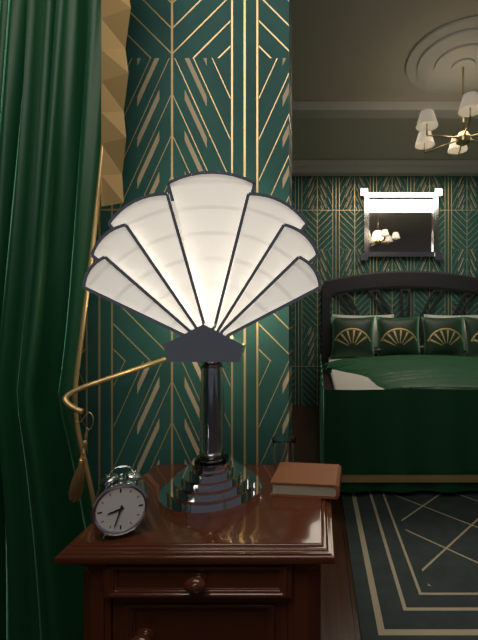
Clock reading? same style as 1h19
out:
8h33
